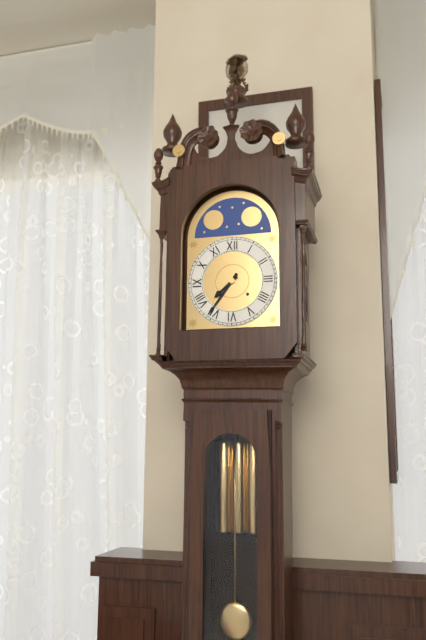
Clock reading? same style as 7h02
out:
7h36
